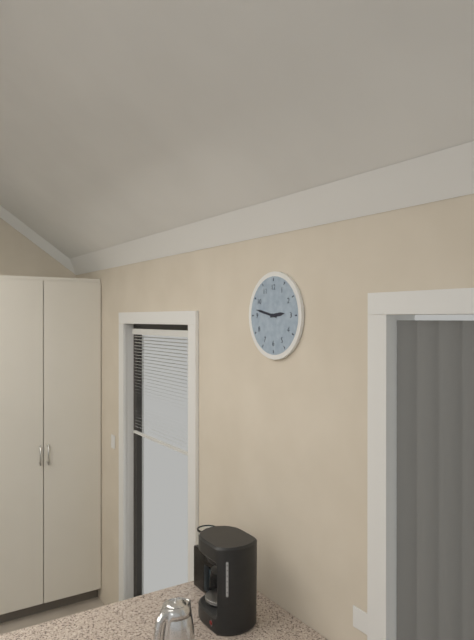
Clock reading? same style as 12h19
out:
2h47
